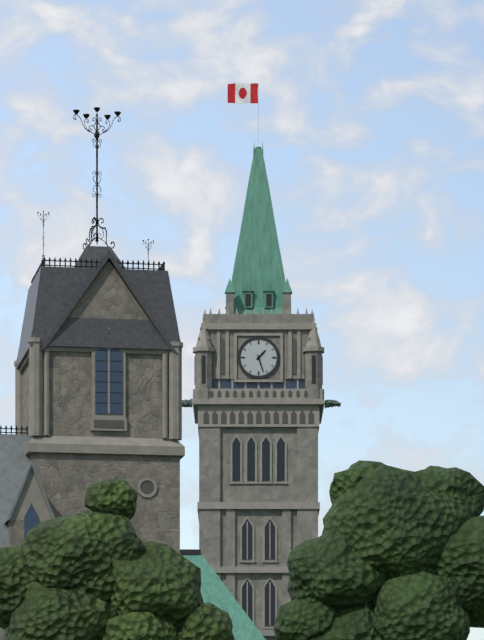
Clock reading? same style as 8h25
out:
1h27
